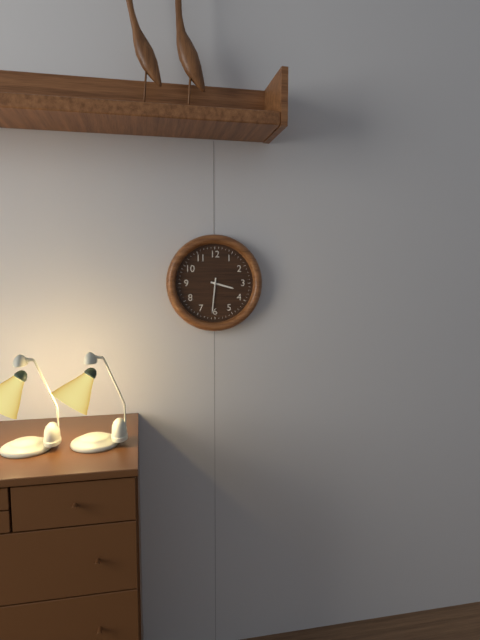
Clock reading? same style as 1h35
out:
3h31
